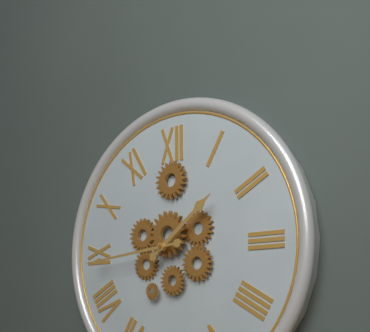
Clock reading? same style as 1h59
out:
1h44
